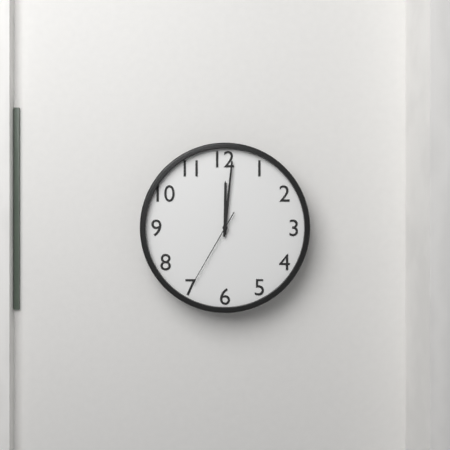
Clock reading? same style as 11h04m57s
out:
12h01m35s
